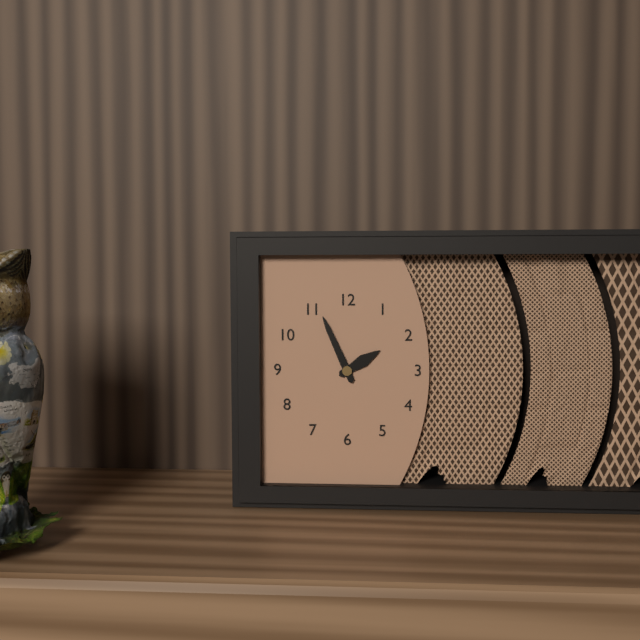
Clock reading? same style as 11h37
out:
1h56
